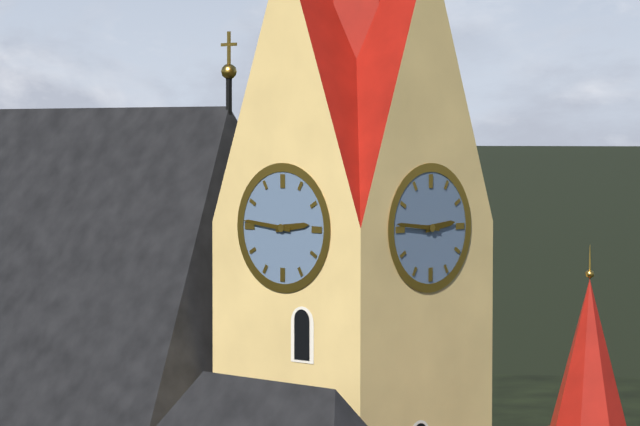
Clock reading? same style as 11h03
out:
2h46
